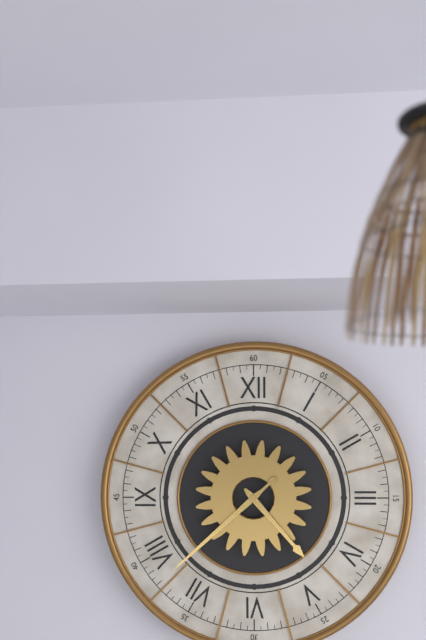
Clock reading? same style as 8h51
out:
4h38
